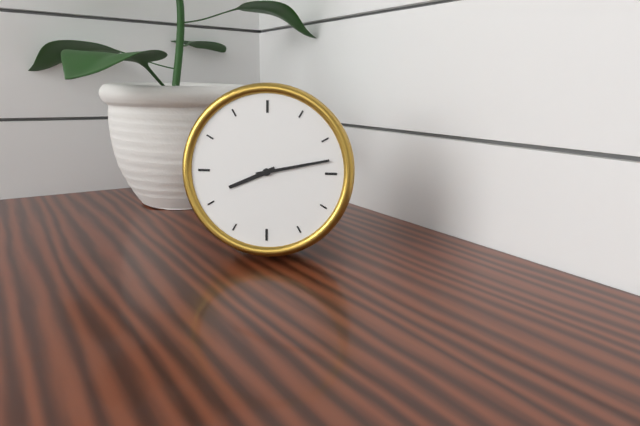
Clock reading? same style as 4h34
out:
8h13
